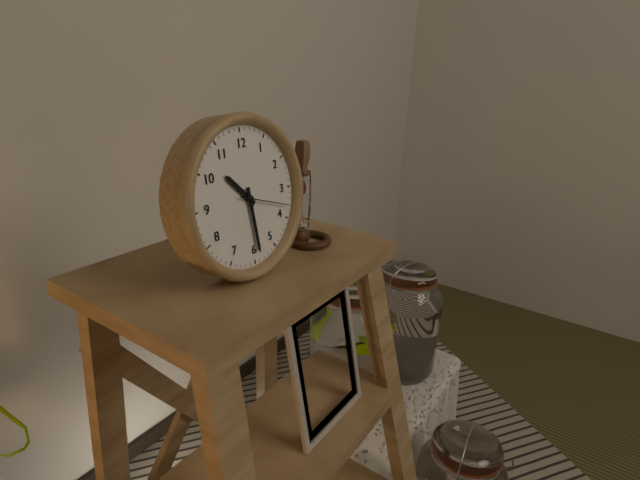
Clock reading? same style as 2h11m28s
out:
10h29m18s
